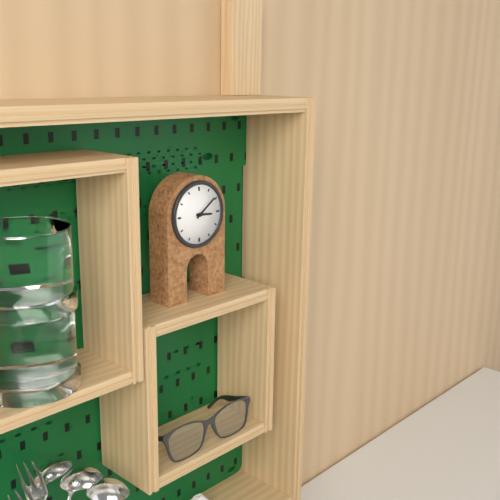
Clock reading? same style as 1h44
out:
3h09
